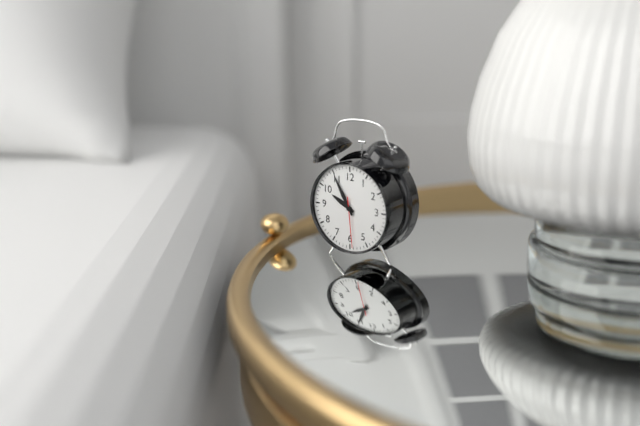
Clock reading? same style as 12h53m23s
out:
9h55m29s
